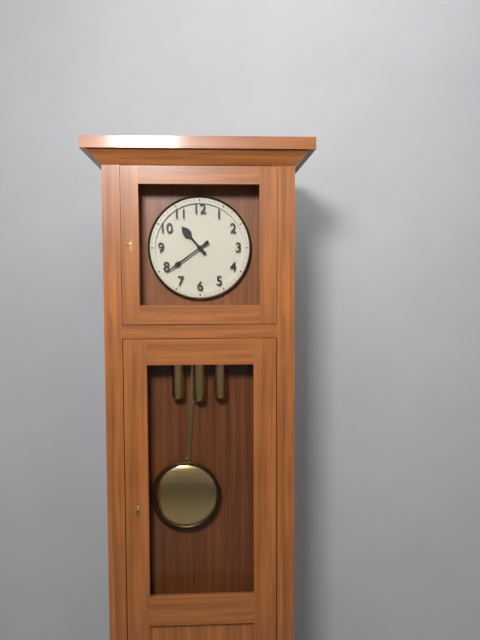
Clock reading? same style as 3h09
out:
10h39
